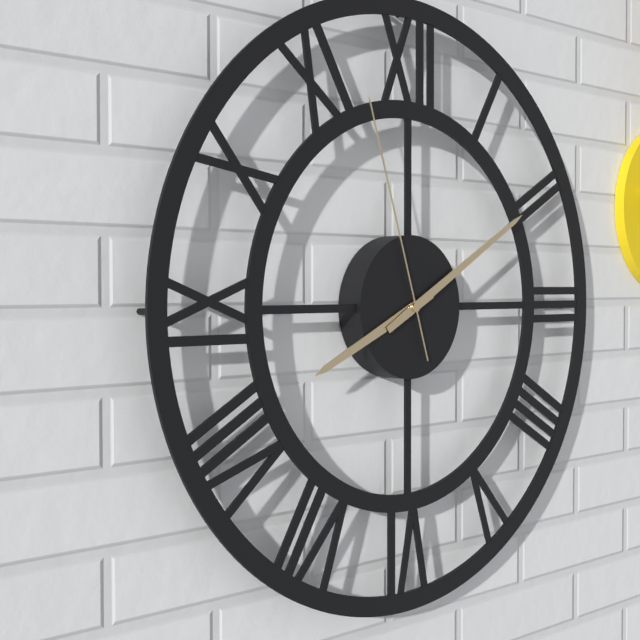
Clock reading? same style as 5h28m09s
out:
8h10m57s
